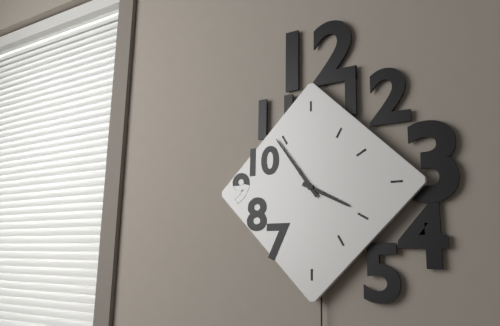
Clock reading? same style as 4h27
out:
3h54
